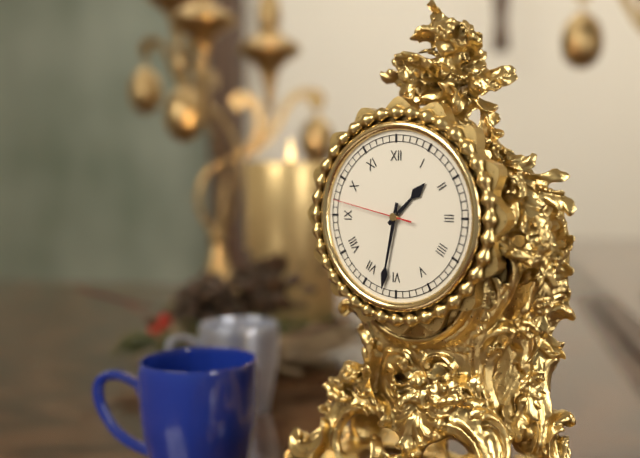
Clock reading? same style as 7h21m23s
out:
1h32m47s
